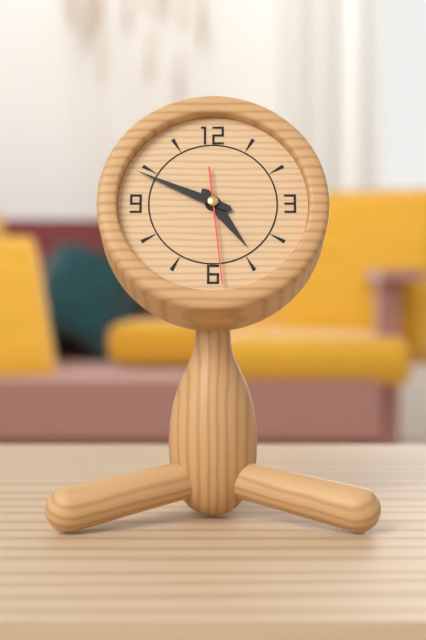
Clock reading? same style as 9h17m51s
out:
4h49m29s
